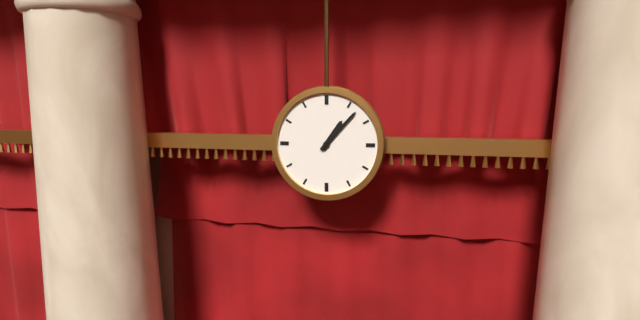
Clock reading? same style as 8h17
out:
1h07
